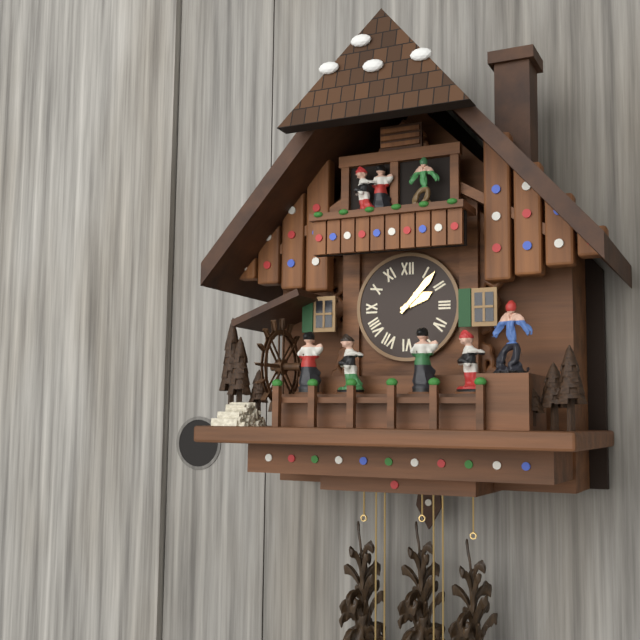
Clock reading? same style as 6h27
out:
2h07
